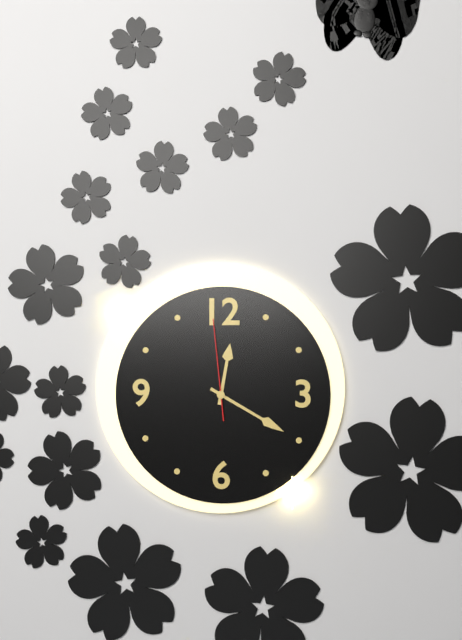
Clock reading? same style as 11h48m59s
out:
12h20m59s
